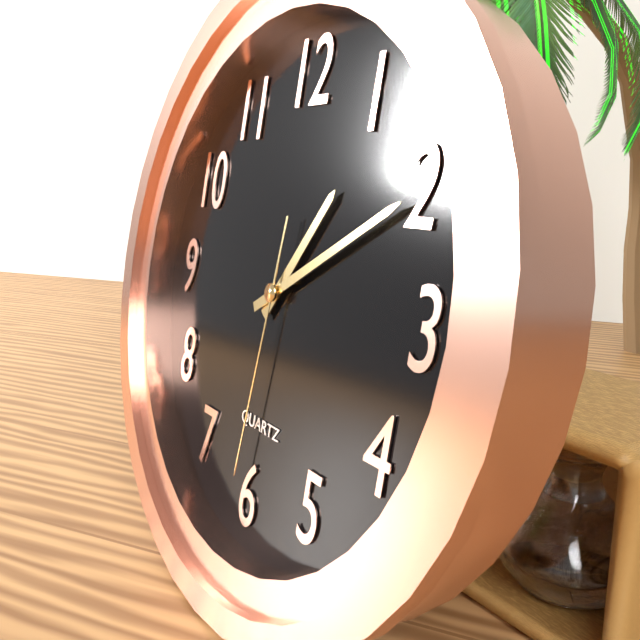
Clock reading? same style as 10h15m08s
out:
1h10m31s
